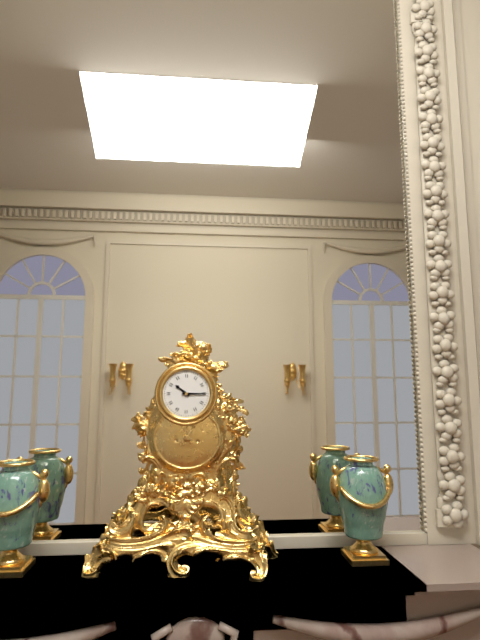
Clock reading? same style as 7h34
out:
10h15
